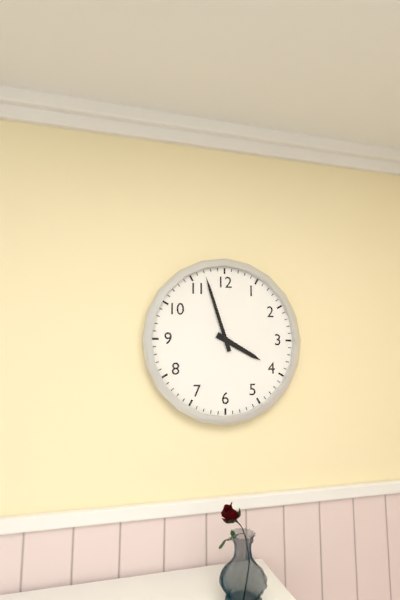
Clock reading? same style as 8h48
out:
3h57
